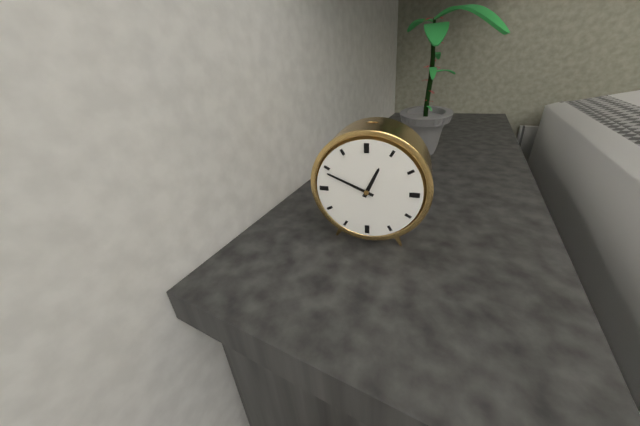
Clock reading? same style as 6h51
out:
12h49
